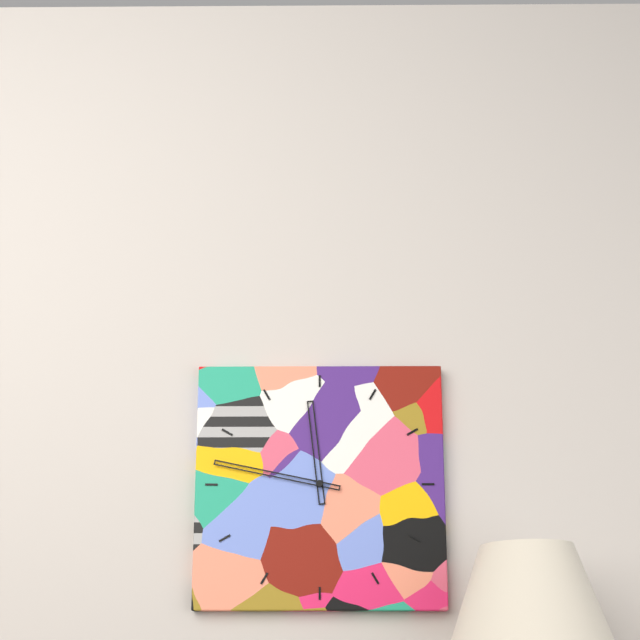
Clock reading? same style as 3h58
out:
11h47
